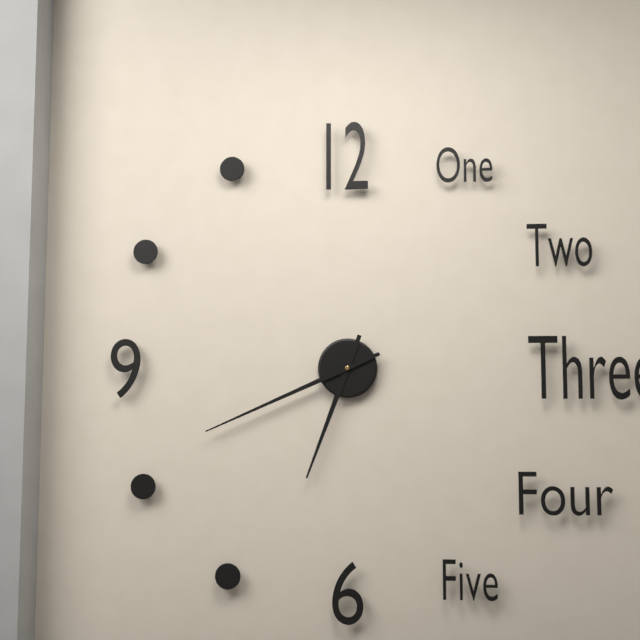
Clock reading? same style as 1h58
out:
6h41
